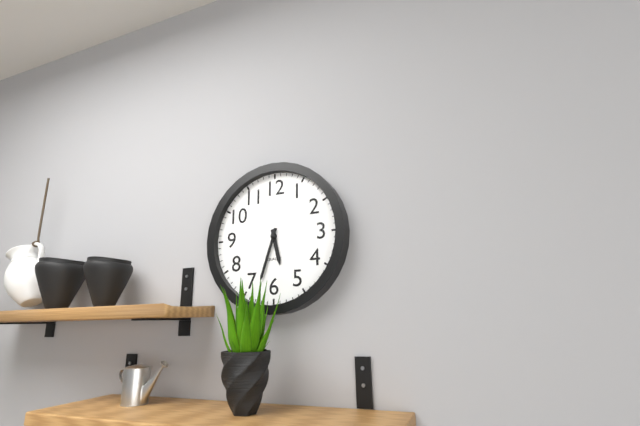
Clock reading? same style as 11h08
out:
5h33
